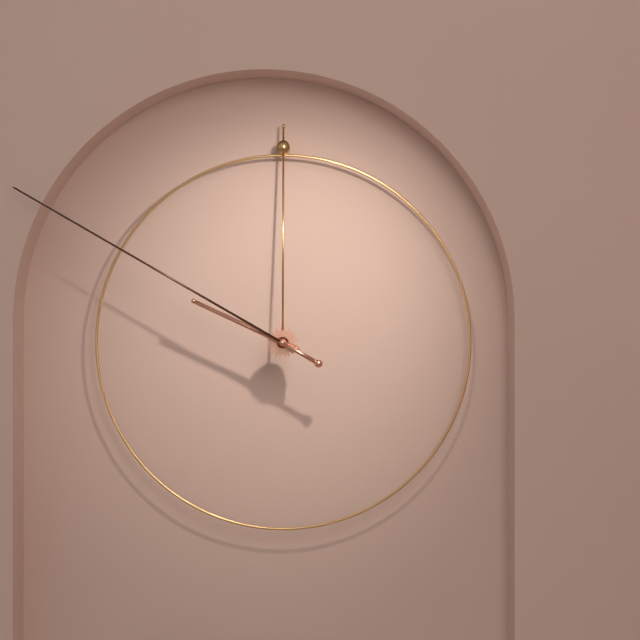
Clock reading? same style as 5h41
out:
9h50
